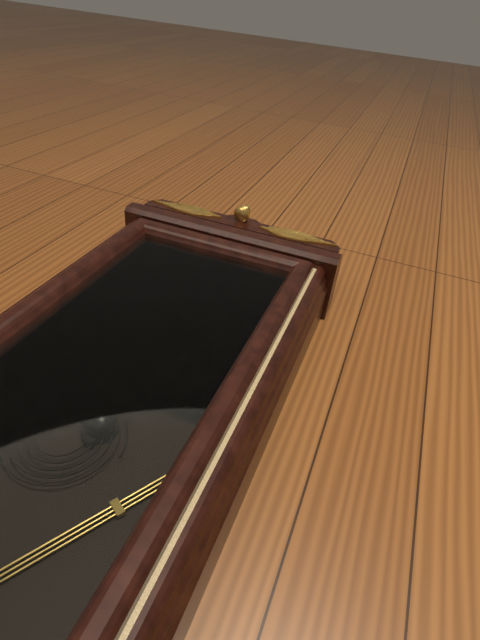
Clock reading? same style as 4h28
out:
1h51
